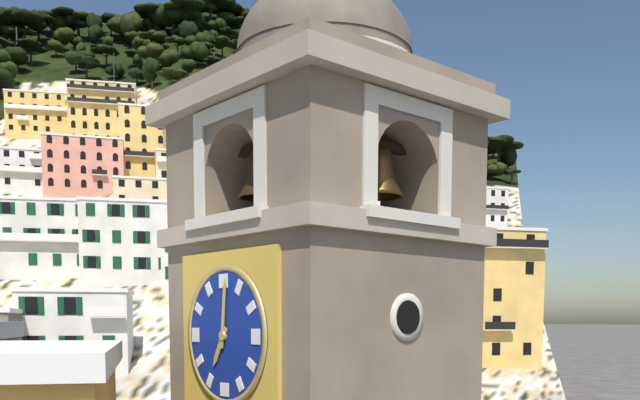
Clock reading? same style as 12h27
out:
7h01
